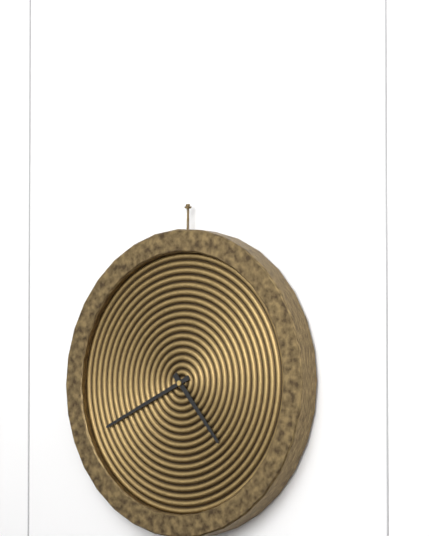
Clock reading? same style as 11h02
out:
4h41
